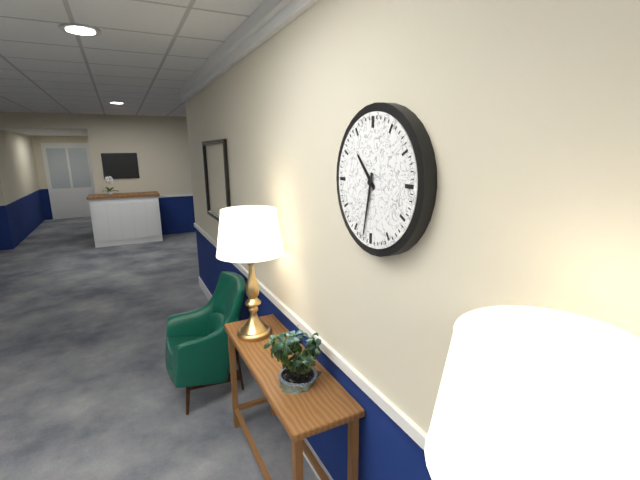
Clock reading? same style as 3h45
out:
10h32
